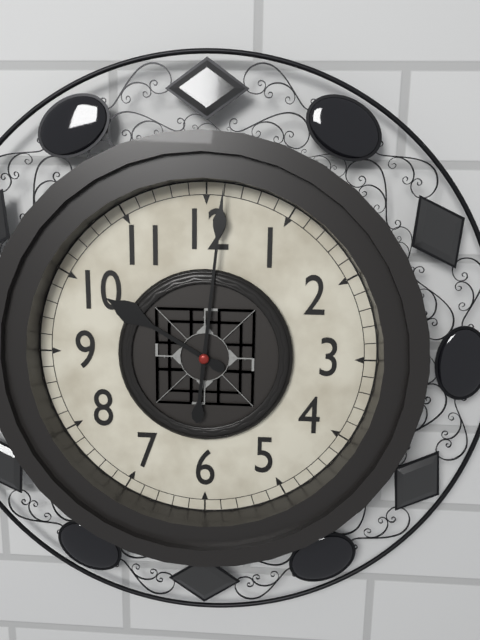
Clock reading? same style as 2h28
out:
10h01
